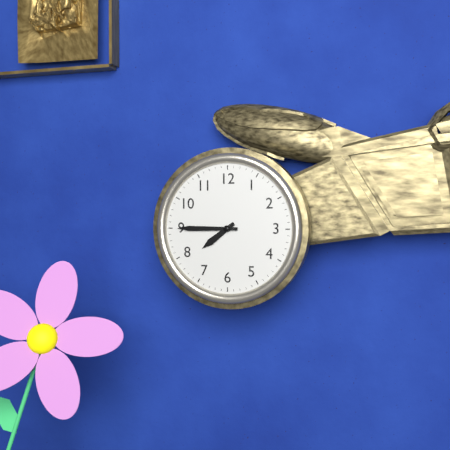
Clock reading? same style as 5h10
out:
7h45
